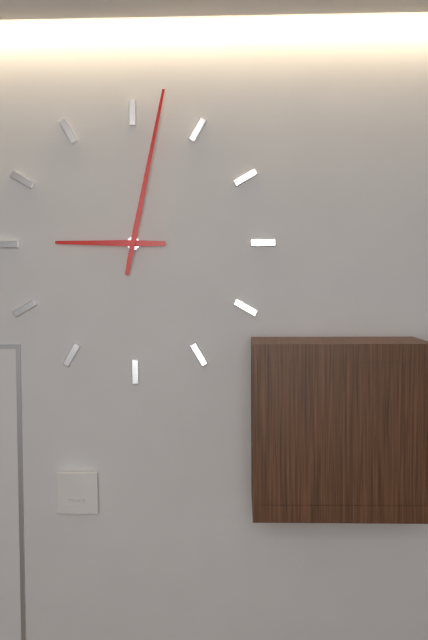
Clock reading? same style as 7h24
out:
9h02
